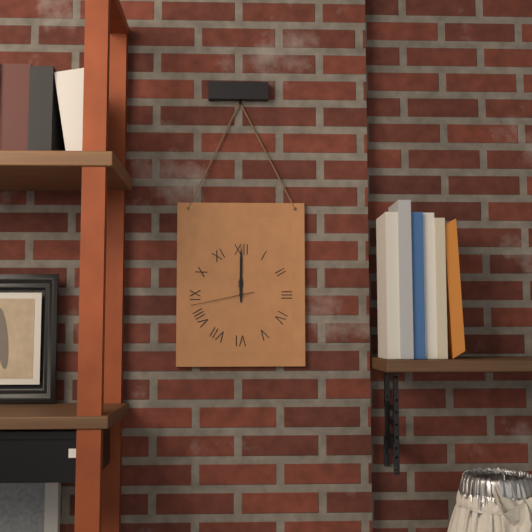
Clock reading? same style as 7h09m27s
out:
12h00m43s
